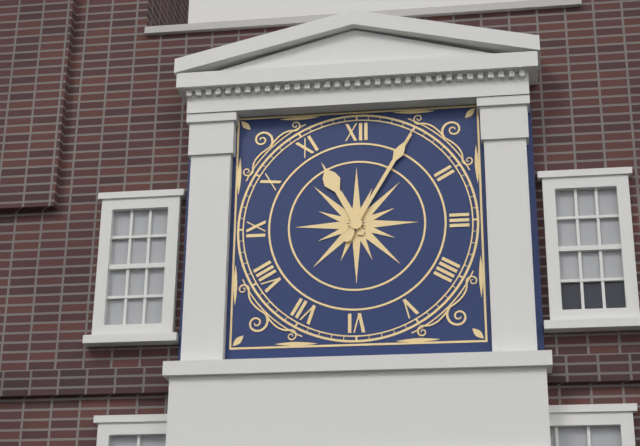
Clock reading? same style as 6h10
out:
11h05
